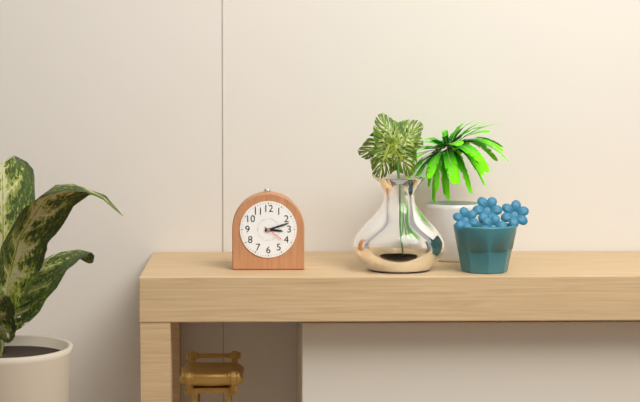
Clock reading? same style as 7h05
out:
3h12
